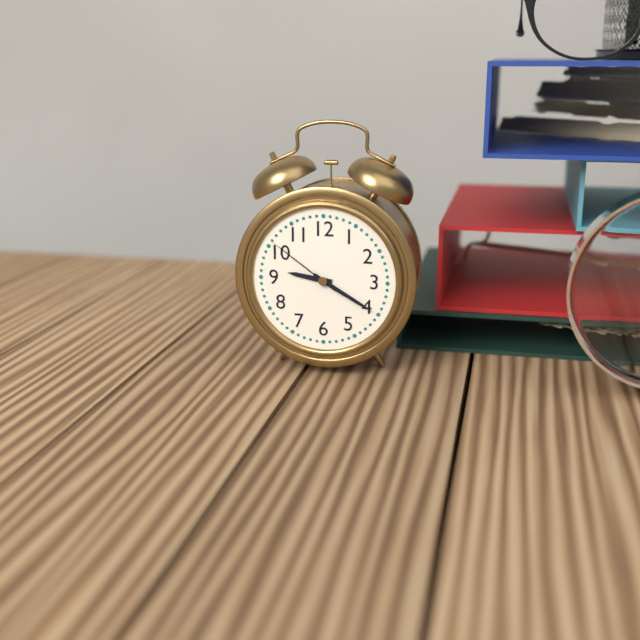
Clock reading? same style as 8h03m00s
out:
9h20m51s
